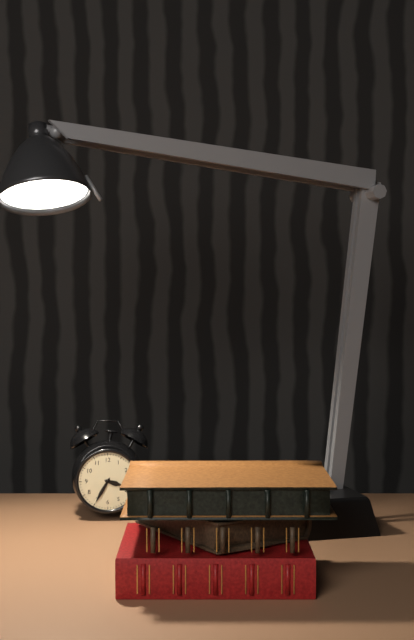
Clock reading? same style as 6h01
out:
3h35
